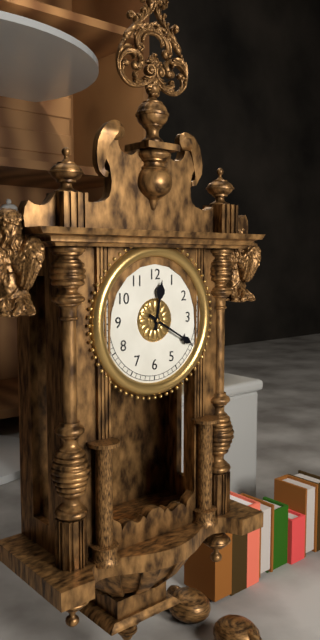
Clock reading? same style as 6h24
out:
12h20
